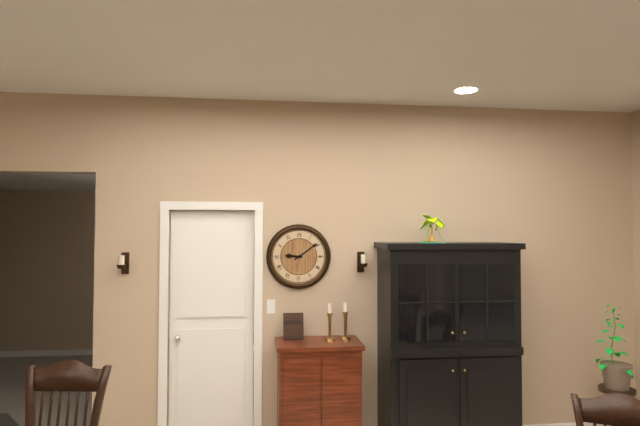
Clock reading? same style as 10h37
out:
9h09
